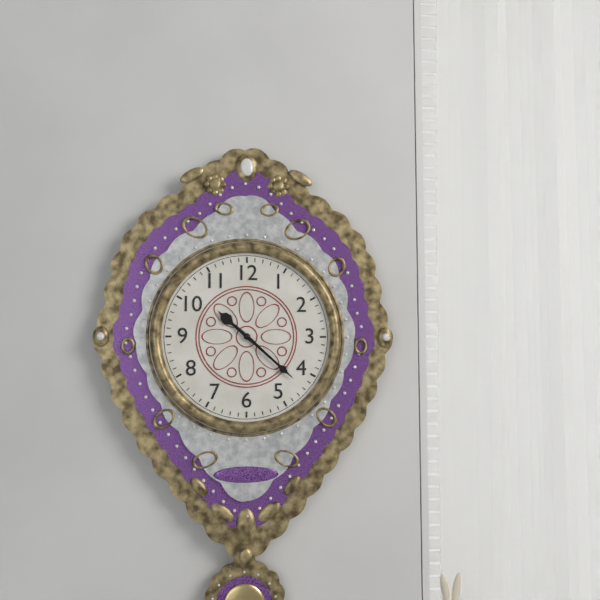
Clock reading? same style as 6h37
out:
10h22
